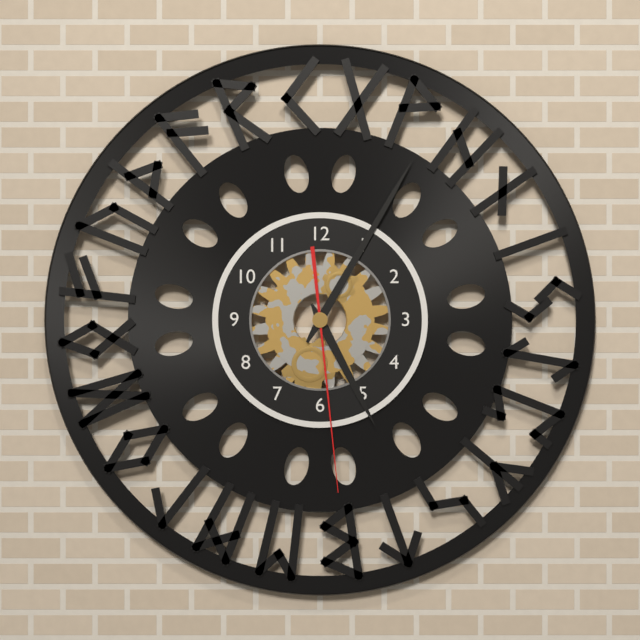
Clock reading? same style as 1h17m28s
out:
5h05m29s
